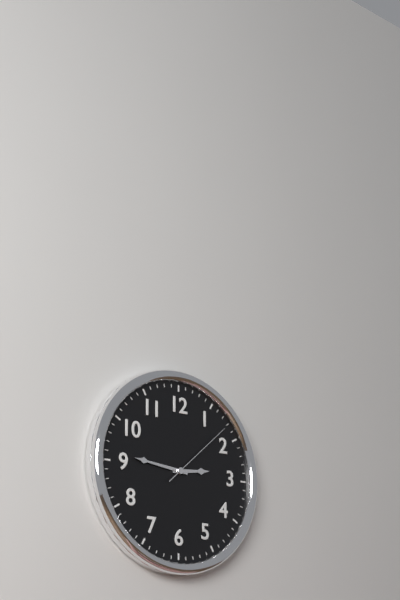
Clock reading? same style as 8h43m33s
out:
2h46m08s
